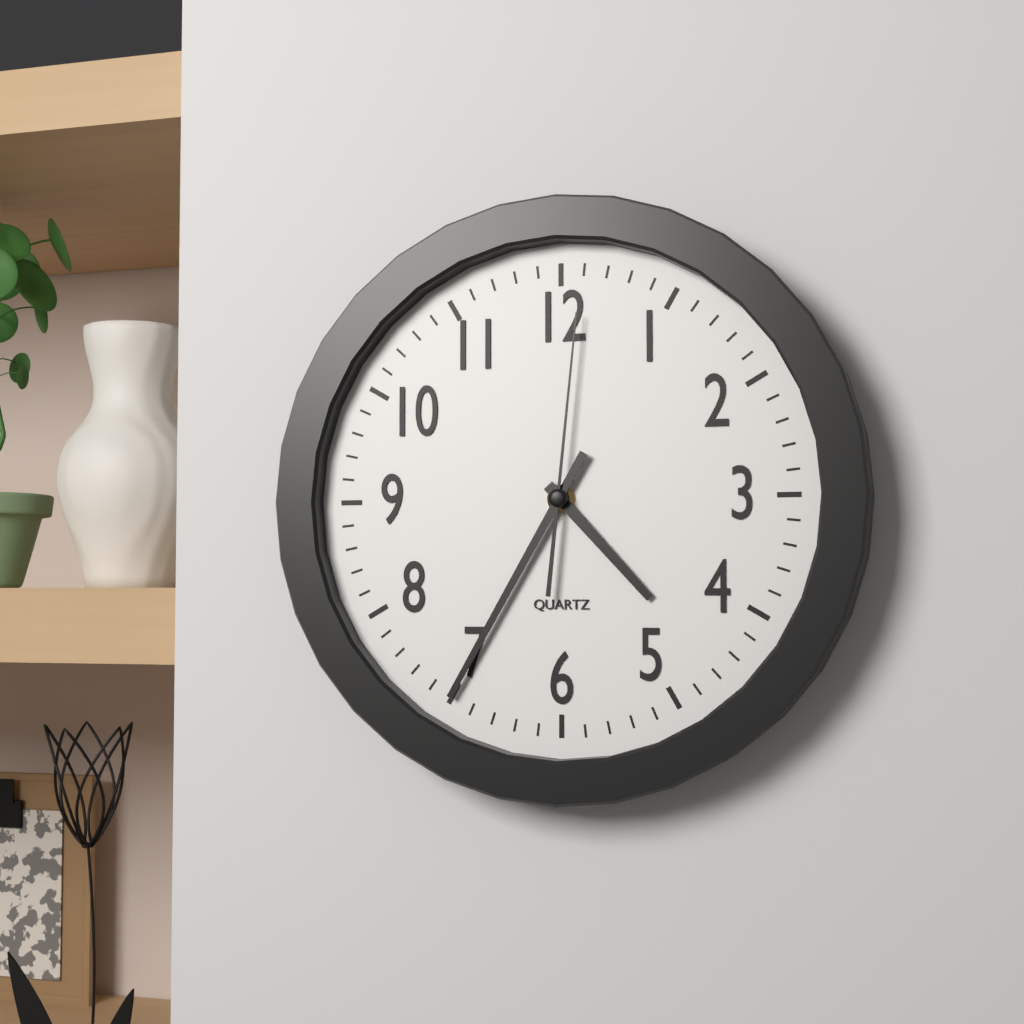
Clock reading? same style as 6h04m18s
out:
4h35m01s
